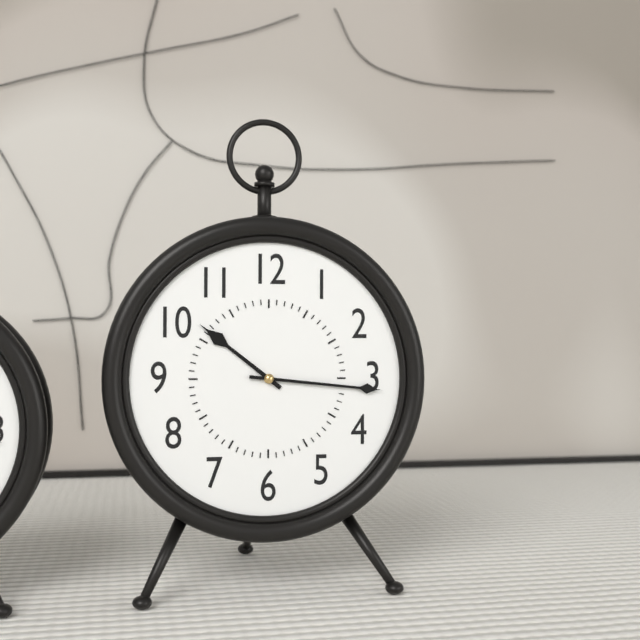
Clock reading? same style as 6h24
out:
10h16
